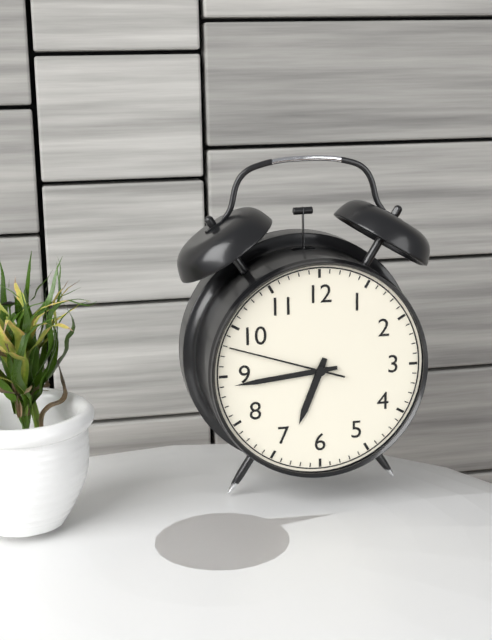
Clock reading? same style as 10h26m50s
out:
6h44m48s
